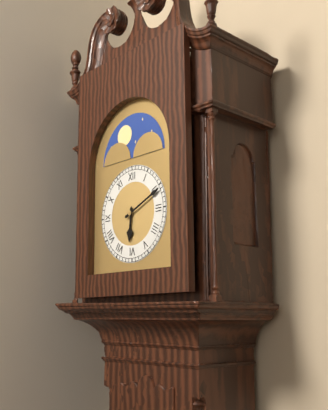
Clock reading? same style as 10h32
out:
6h11
